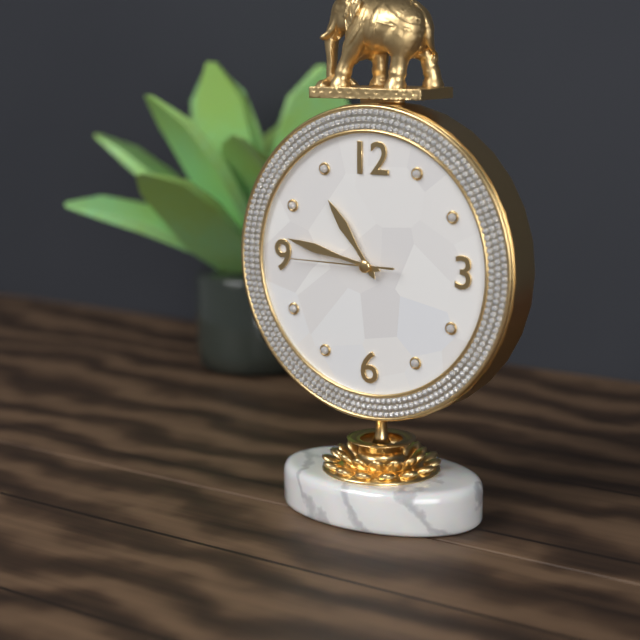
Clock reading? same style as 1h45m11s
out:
10h47m45s
